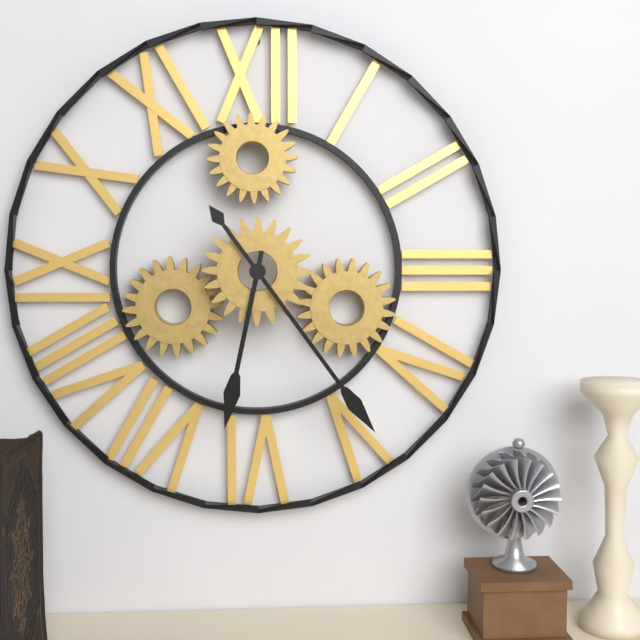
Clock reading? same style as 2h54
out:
6h24
